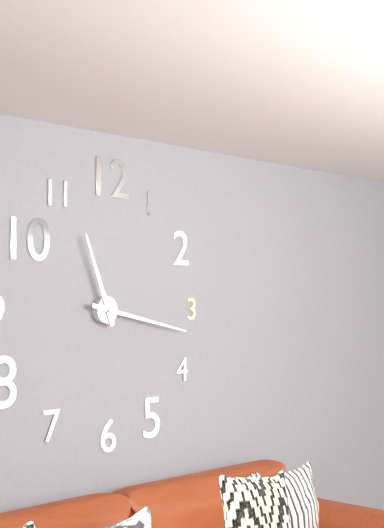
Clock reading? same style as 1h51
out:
11h17
